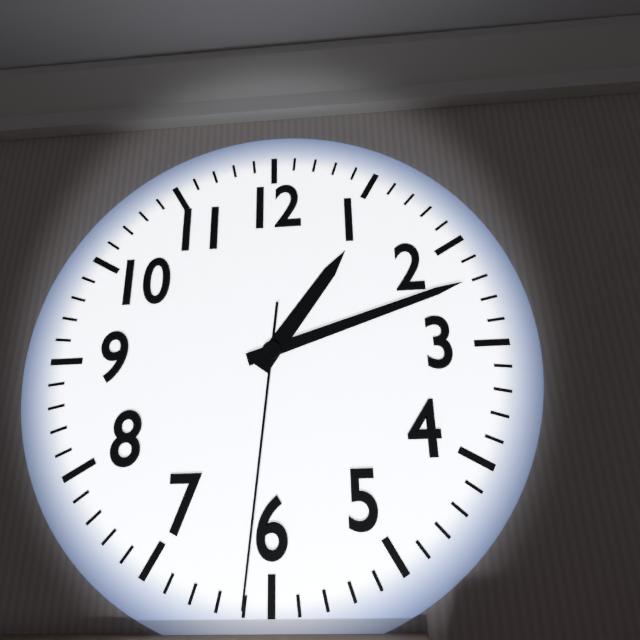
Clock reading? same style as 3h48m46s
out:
1h12m31s
